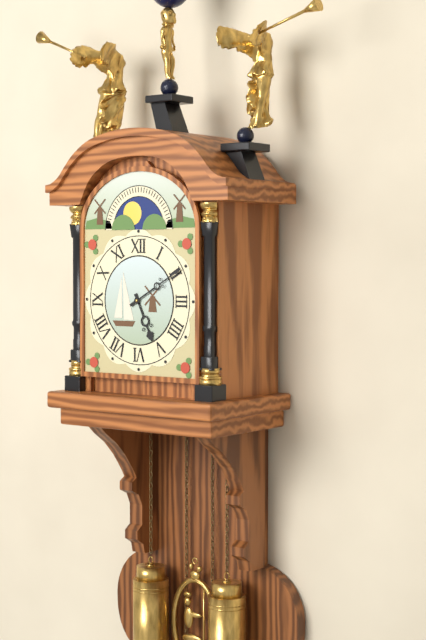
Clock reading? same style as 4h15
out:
5h10
